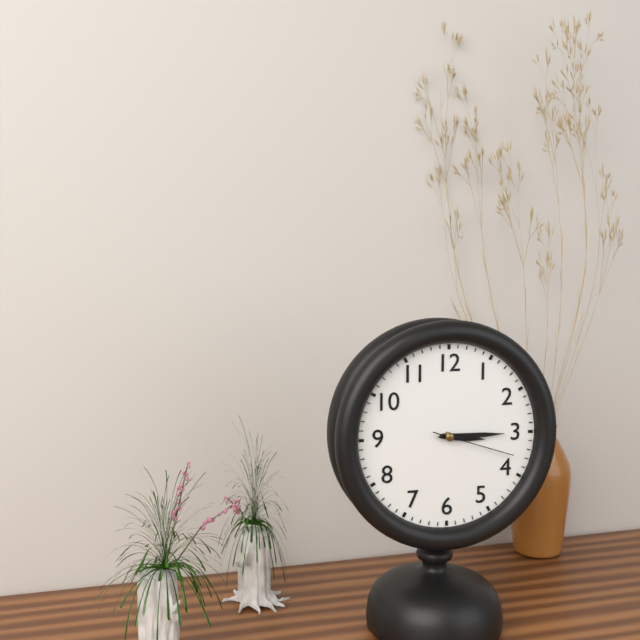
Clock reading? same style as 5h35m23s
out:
3h15m18s
